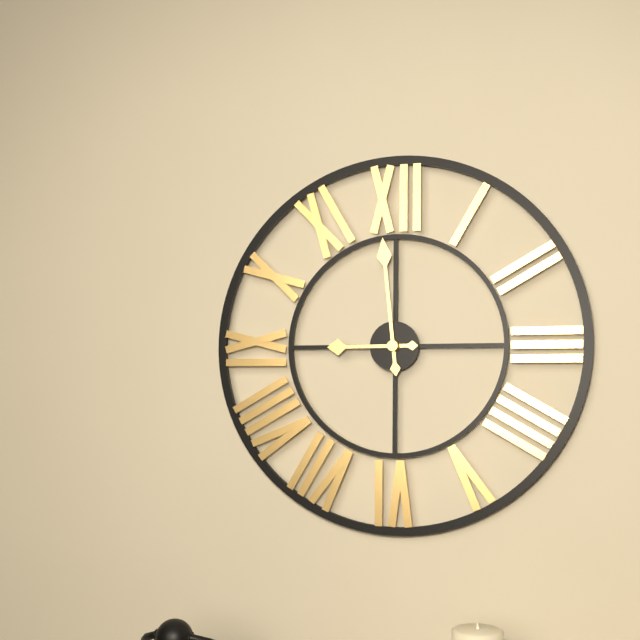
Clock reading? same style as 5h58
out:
8h59
